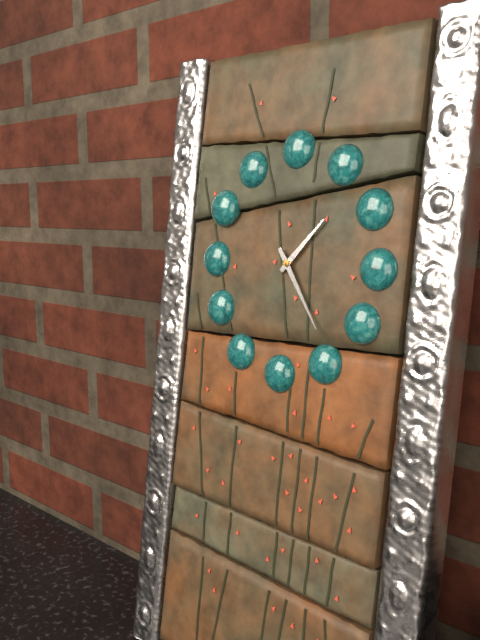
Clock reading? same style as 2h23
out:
1h24
